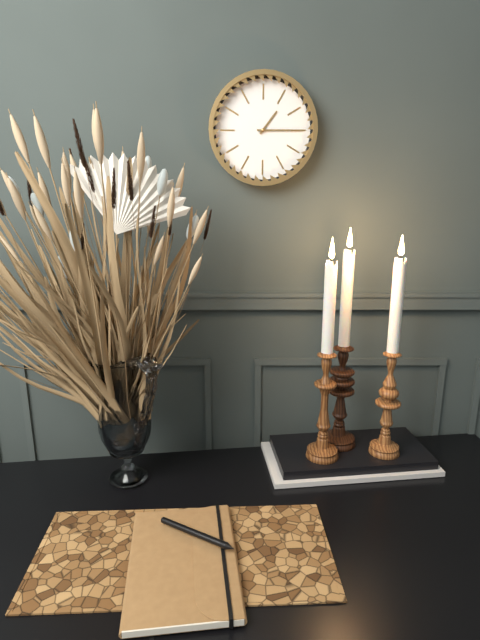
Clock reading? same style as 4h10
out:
1h15
